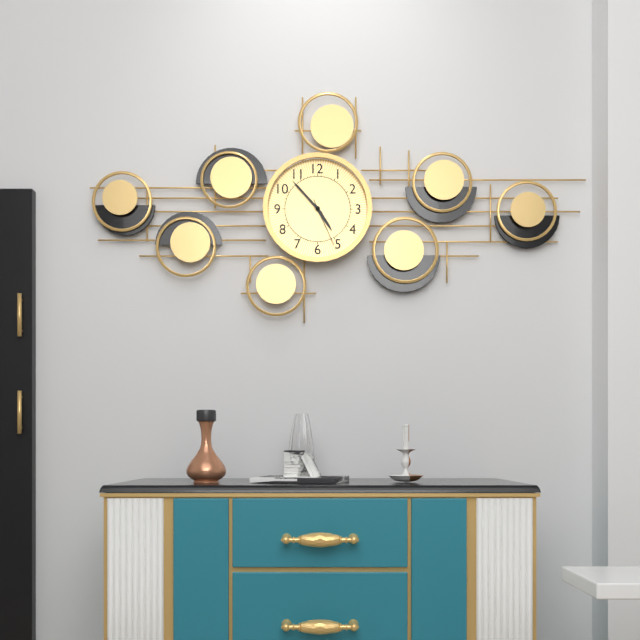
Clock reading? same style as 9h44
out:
4h53
